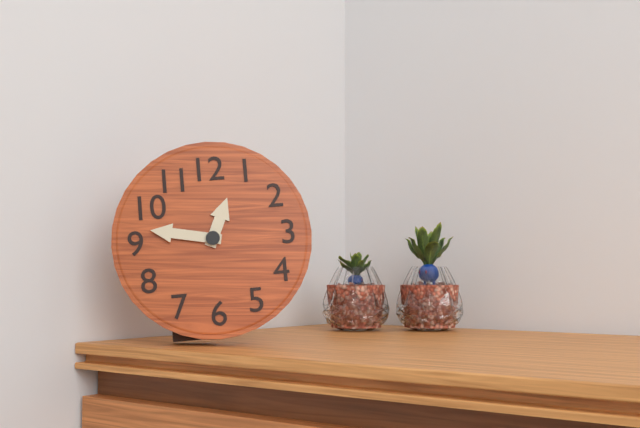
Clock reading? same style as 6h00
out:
12h47
